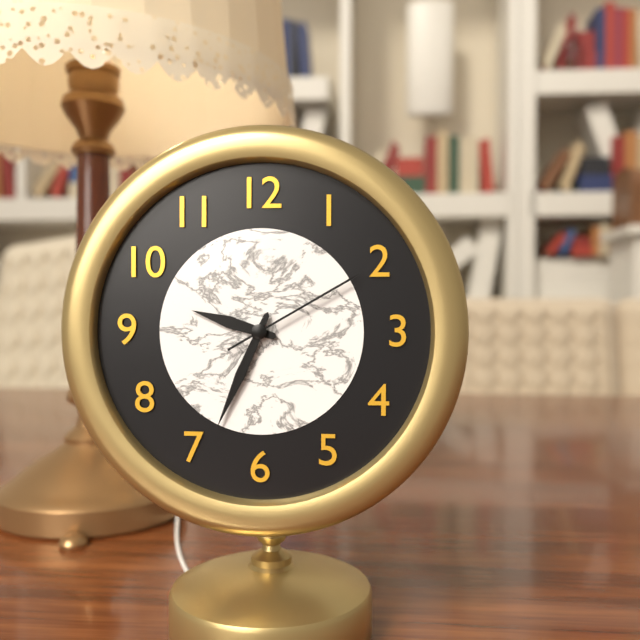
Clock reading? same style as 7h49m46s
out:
9h34m10s
